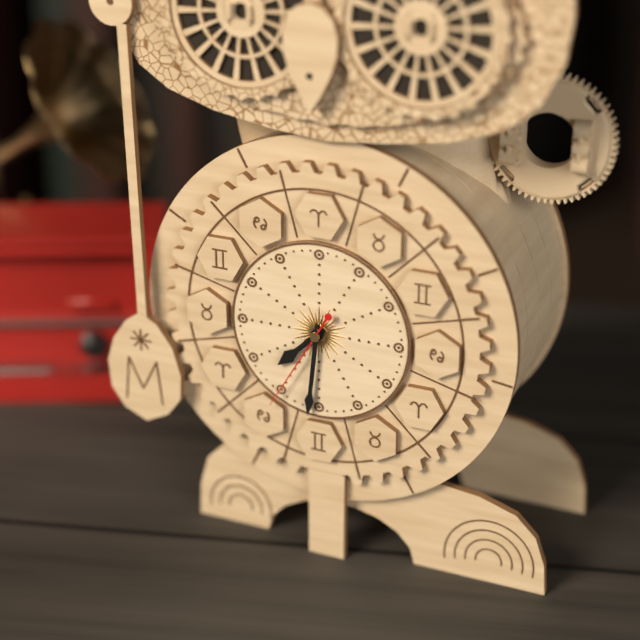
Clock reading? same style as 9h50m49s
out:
7h31m35s
